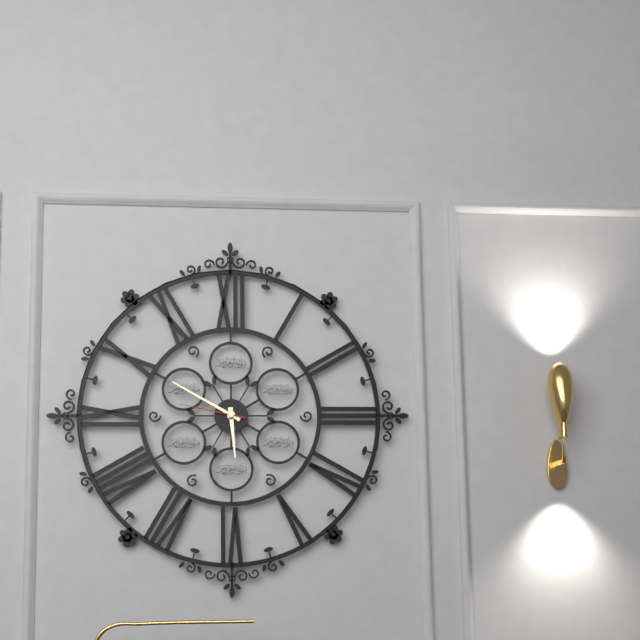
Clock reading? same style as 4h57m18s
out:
5h50m47s
